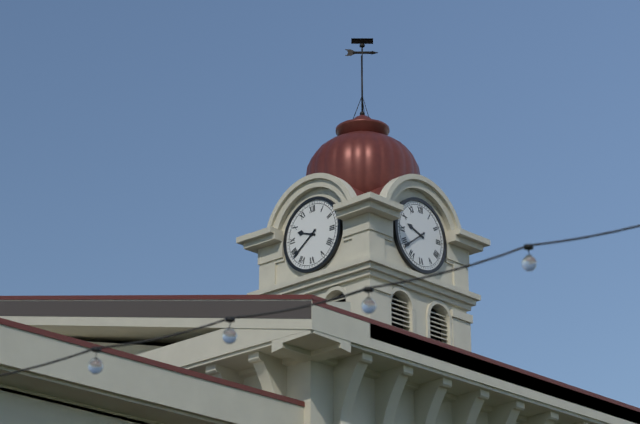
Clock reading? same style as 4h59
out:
9h39
